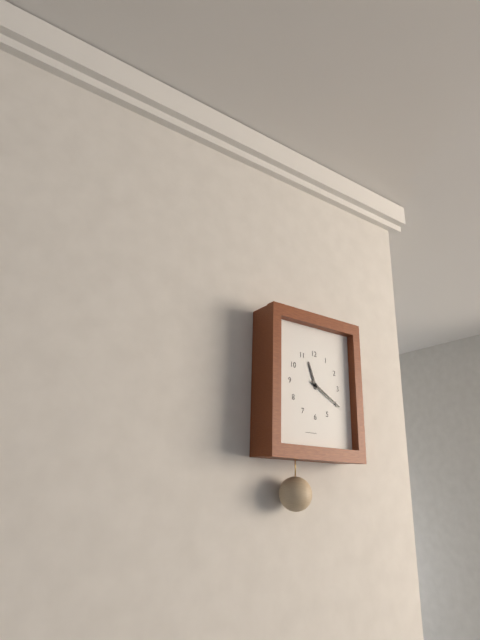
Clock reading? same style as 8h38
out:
11h20
